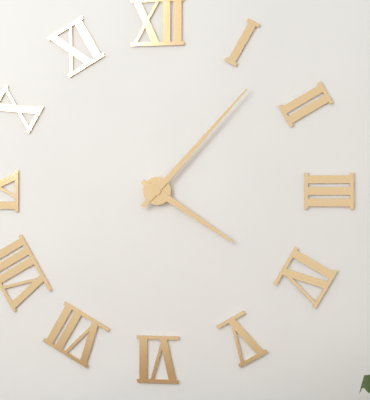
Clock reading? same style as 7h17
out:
4h07
